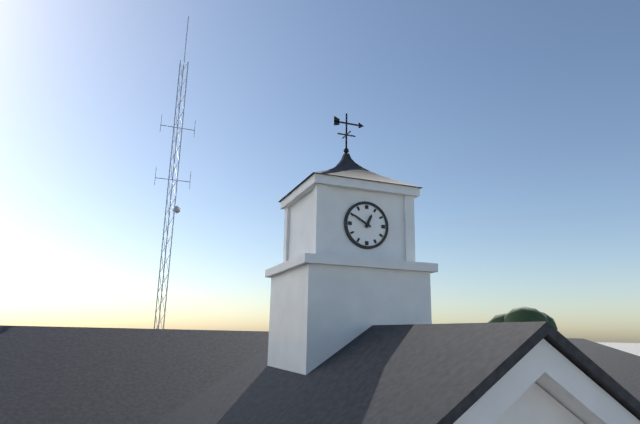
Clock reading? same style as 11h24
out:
12h50
